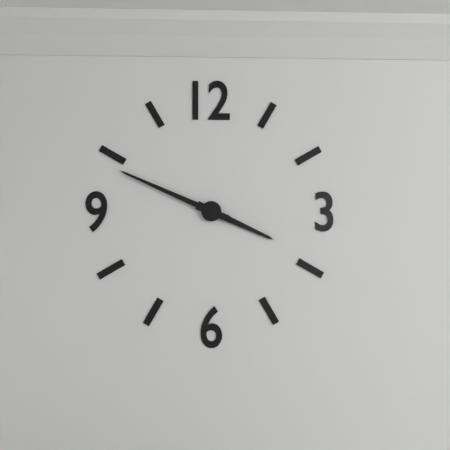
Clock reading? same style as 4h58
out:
3h49
